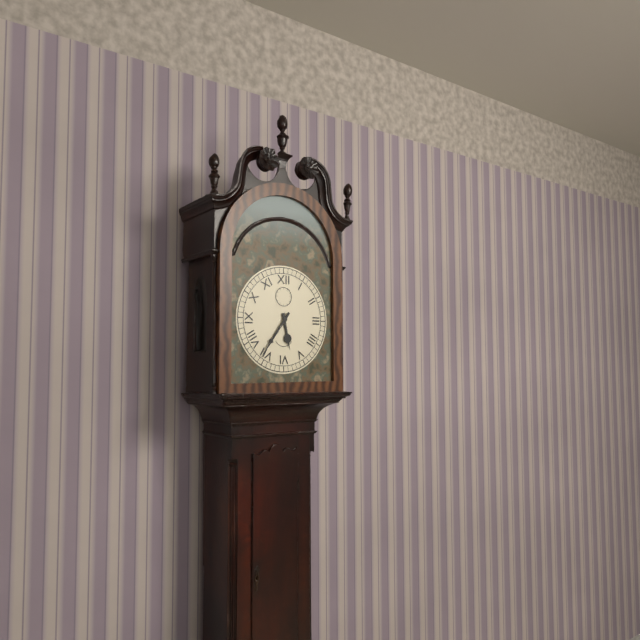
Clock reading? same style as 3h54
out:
5h36
